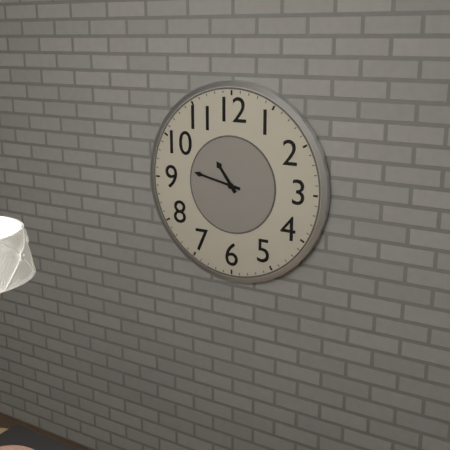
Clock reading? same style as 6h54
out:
10h47
